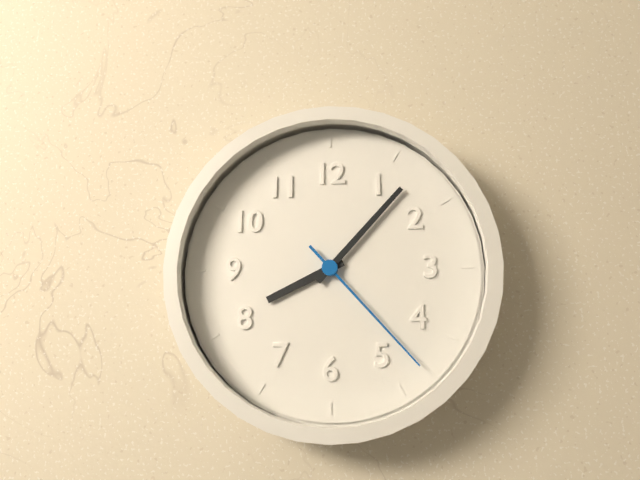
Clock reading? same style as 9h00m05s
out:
8h07m23s
